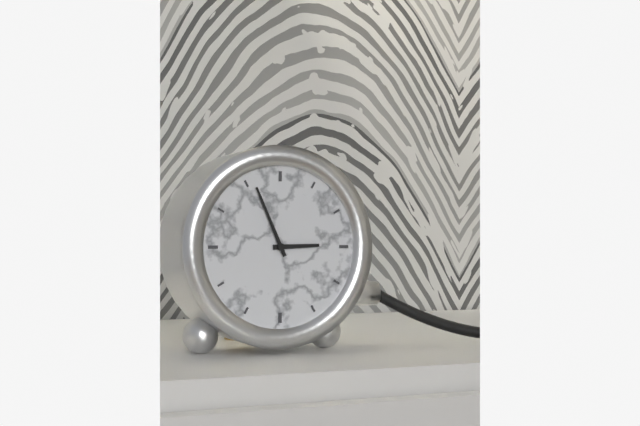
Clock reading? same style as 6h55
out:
2h56
